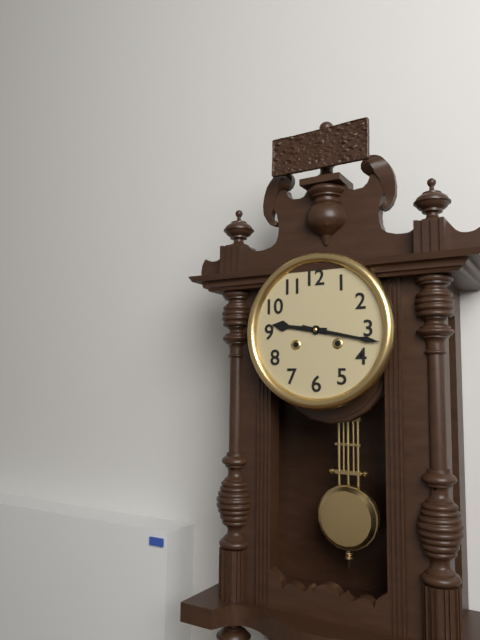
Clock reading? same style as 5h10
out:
9h17
